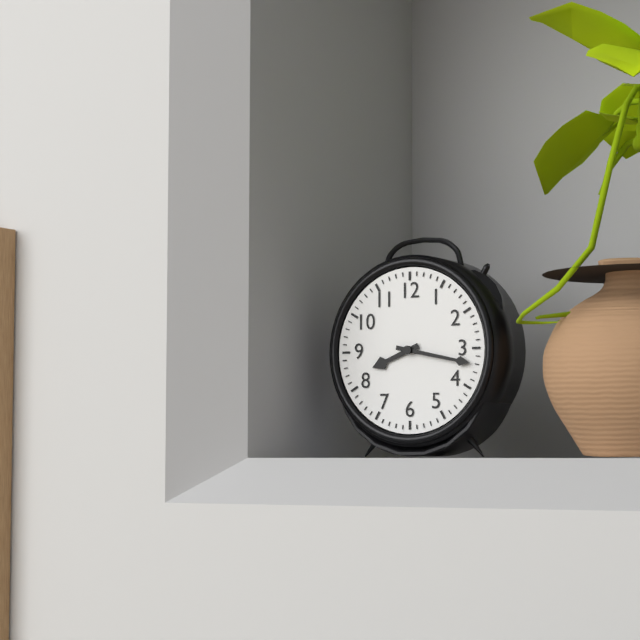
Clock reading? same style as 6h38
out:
8h17
